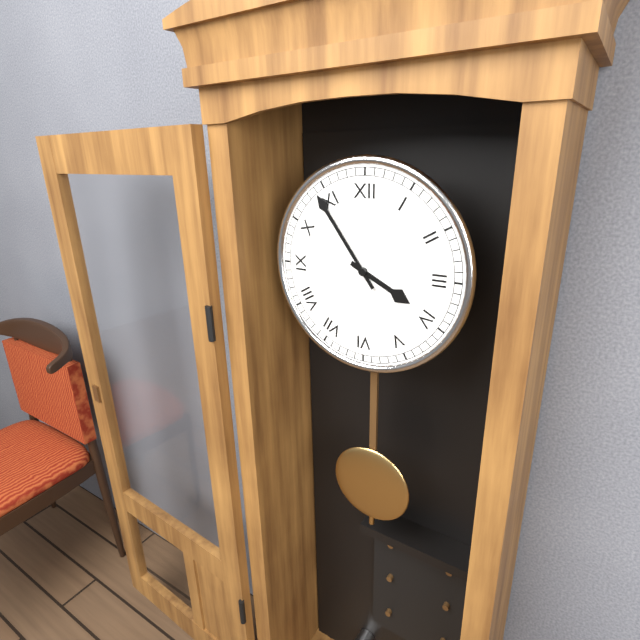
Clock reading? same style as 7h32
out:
3h54
